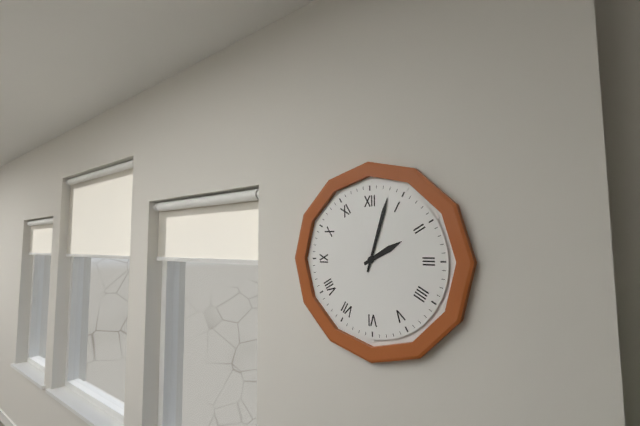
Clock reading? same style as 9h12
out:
2h03
